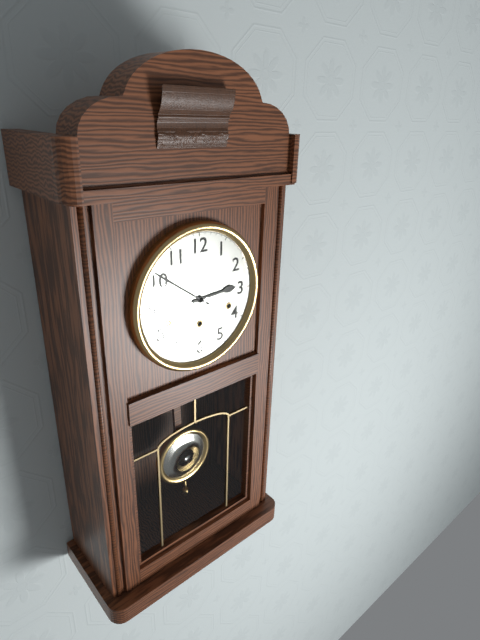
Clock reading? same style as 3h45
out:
2h51
